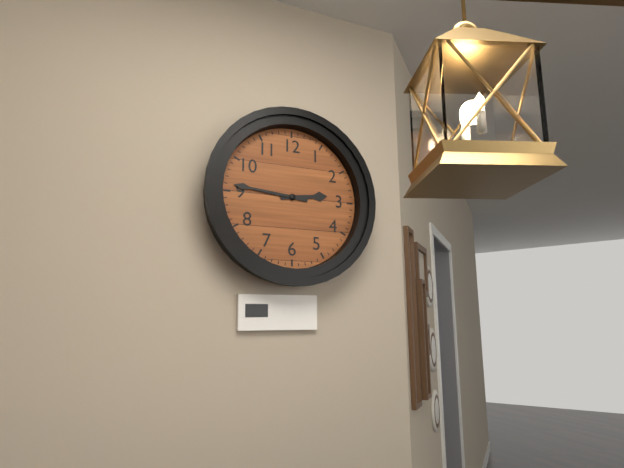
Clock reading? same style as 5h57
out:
2h46
